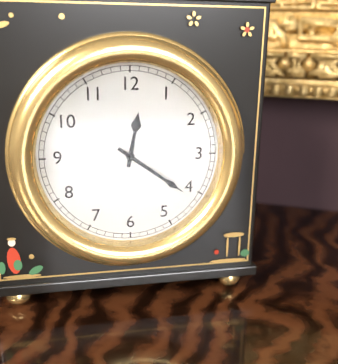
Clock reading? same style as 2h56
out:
12h21
